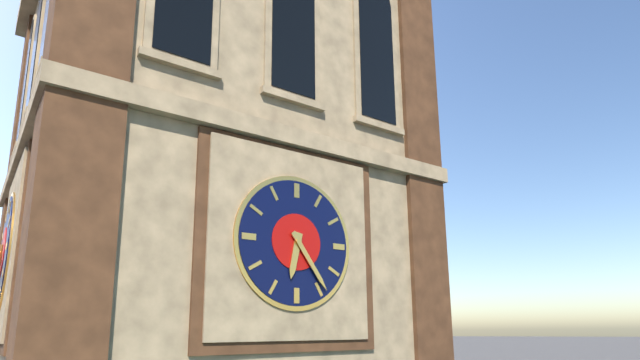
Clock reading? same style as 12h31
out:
6h24
